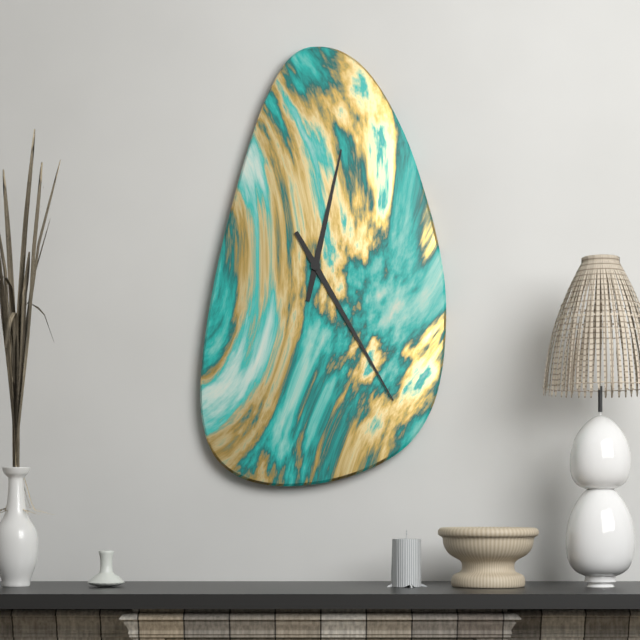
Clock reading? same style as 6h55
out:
12h25
